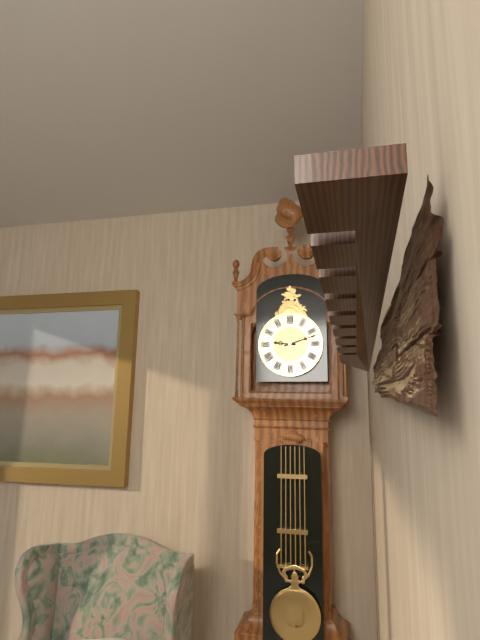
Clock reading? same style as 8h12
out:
9h12
